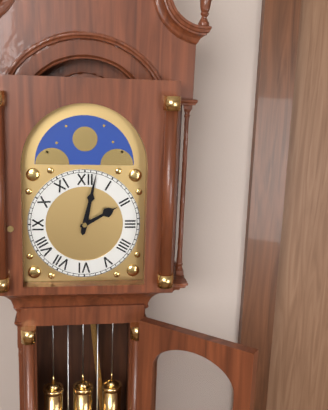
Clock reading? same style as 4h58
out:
2h02
